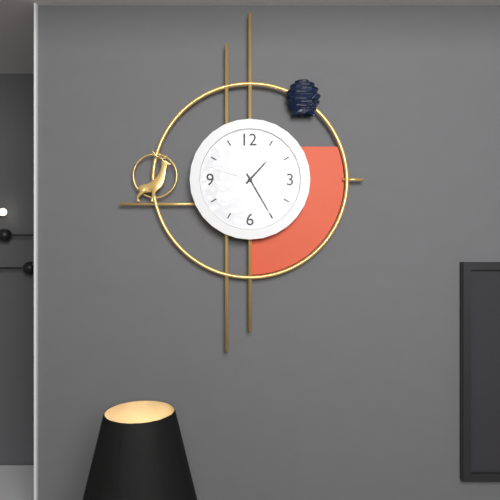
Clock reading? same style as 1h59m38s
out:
1h25m48s
